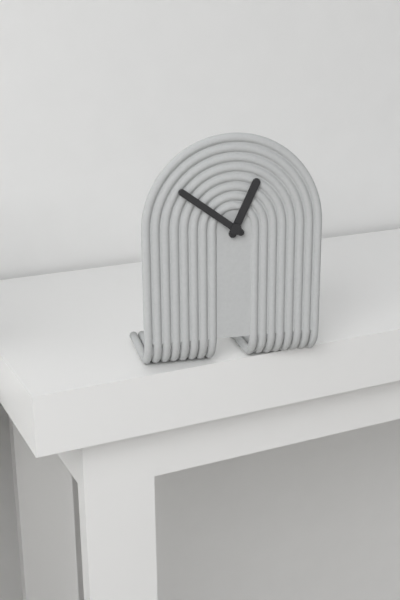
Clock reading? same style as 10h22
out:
12h51
